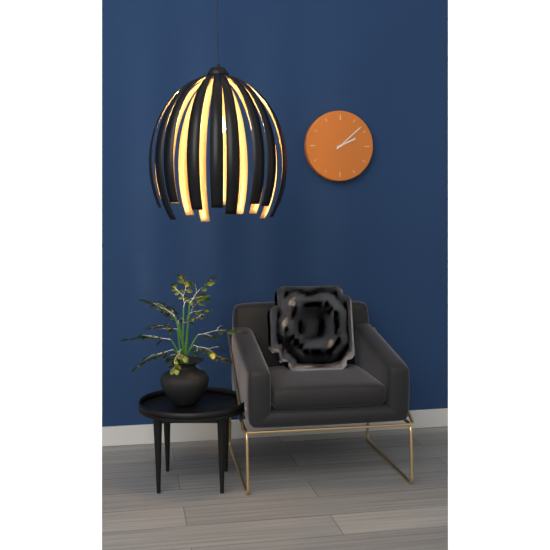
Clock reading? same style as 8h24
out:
2h08
